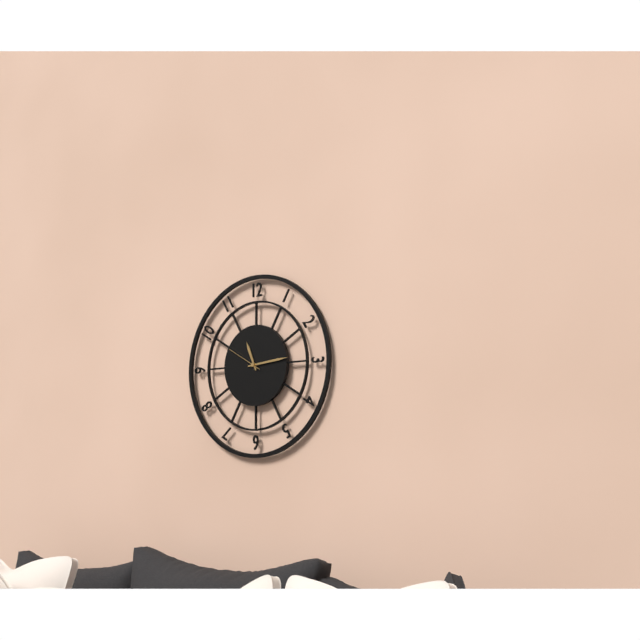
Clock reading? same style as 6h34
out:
11h14
